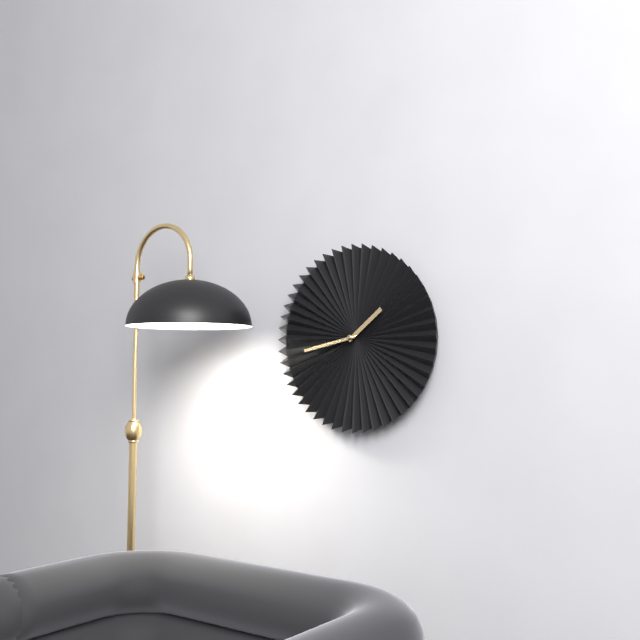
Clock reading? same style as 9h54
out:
1h43
